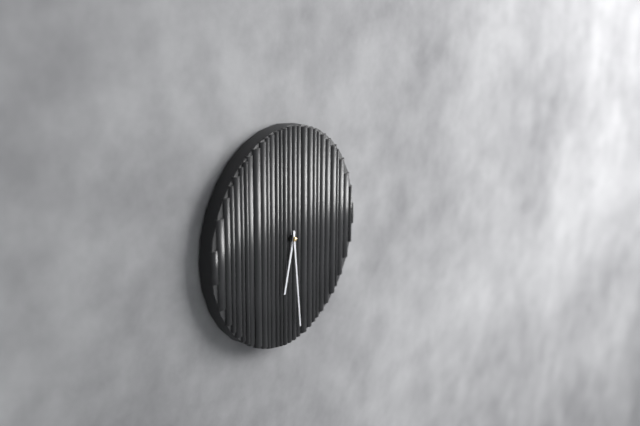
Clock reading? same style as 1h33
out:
6h29
